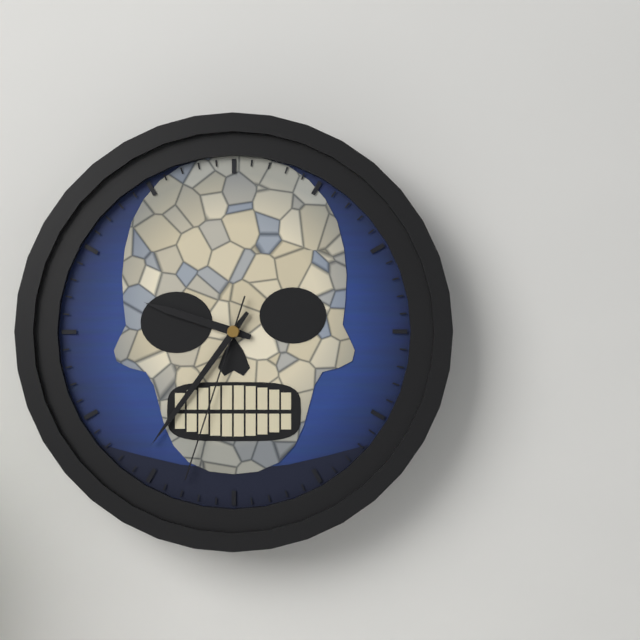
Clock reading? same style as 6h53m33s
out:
9h36m33s
